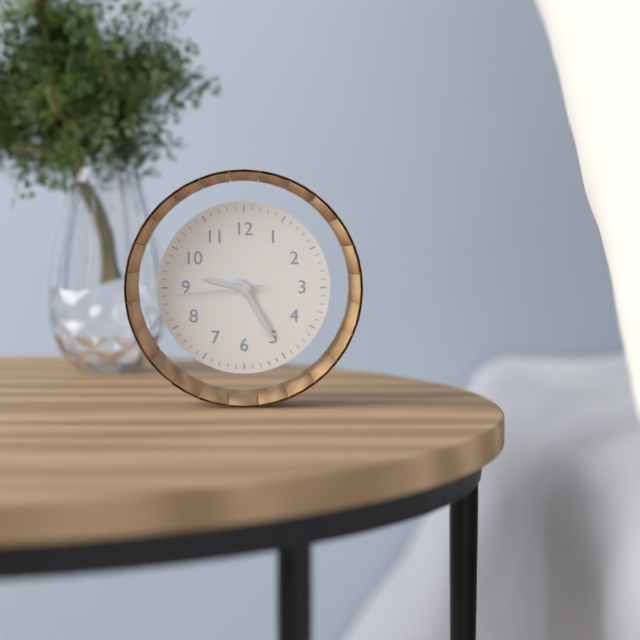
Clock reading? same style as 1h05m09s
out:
9h25m44s
